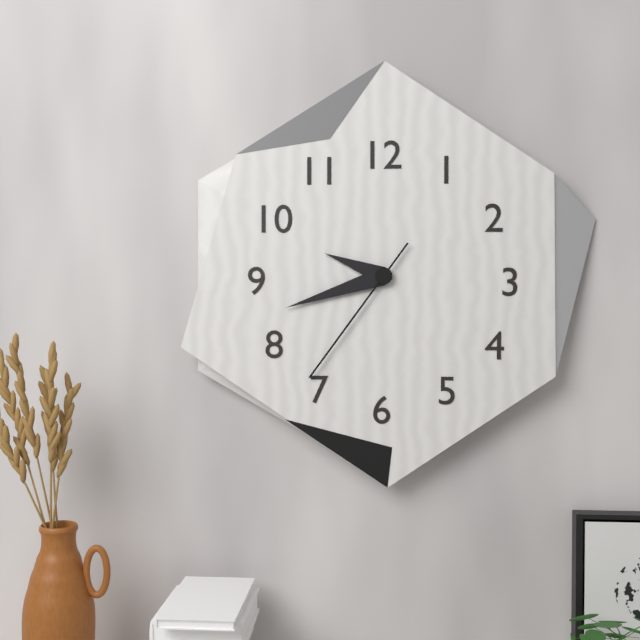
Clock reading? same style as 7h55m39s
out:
9h42m36s
